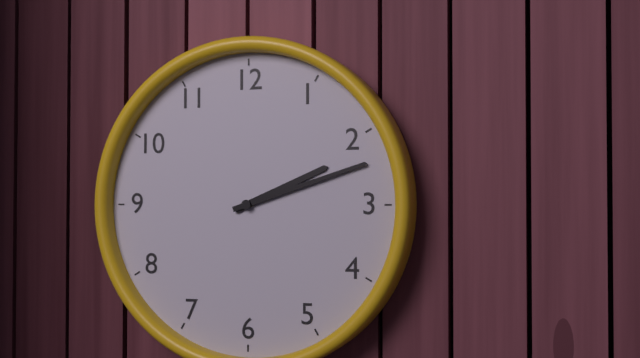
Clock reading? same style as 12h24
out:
2h12
